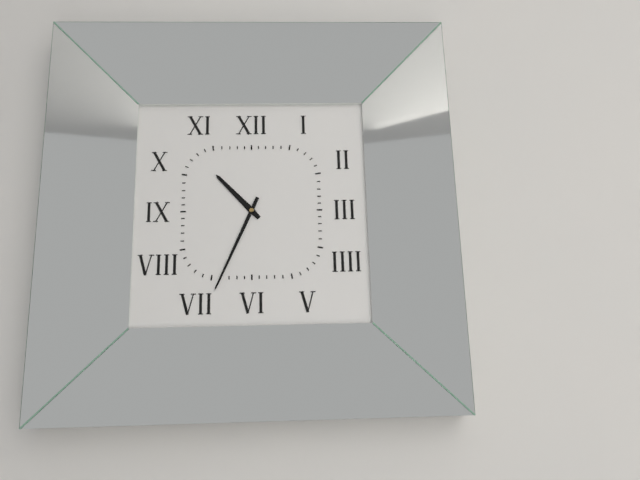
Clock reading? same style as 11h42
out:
10h34
